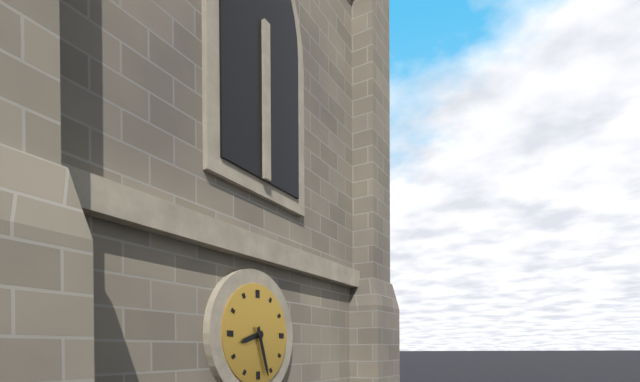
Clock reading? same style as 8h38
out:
8h27
